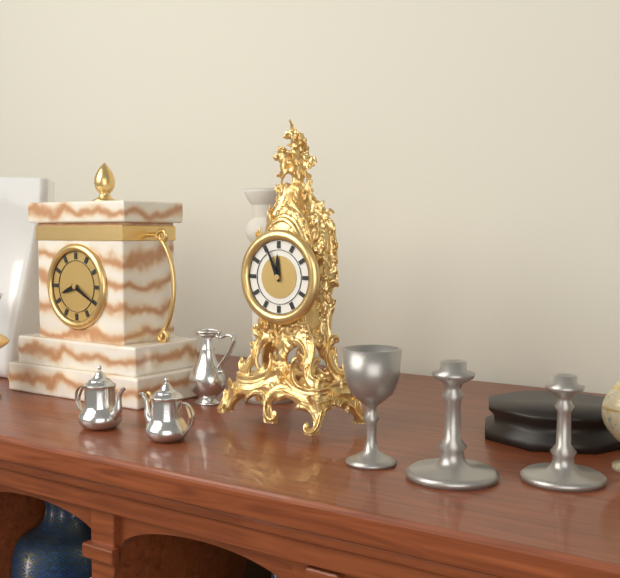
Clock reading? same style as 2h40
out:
11h56
